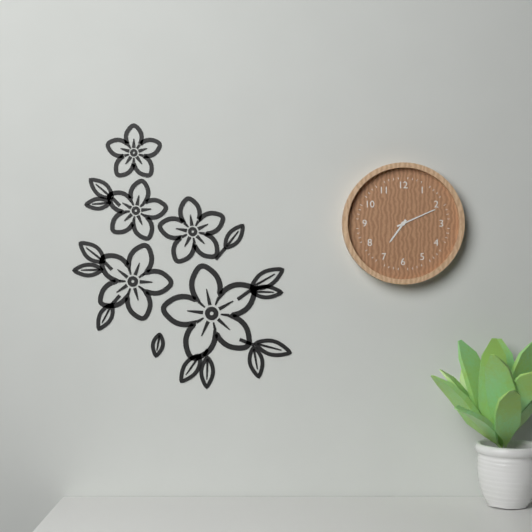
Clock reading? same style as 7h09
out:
7h11
